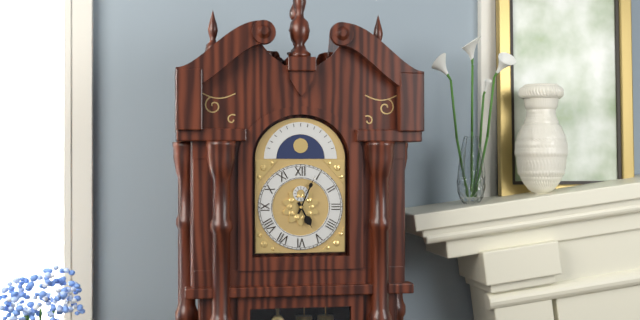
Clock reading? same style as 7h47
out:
5h04
